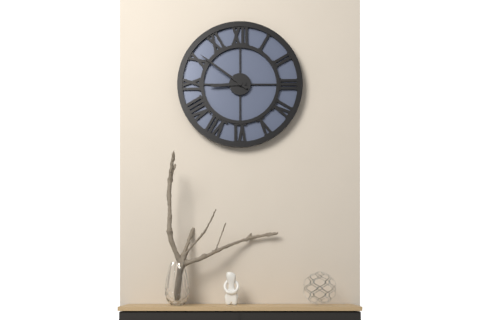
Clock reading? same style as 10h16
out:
8h51
